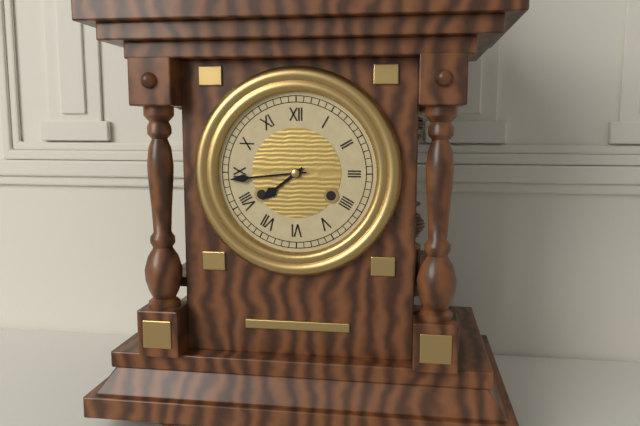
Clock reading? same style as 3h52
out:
7h44
